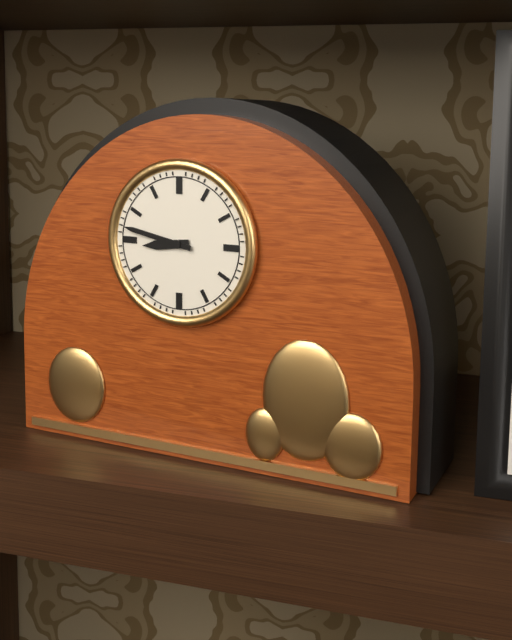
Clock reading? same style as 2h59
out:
8h47
